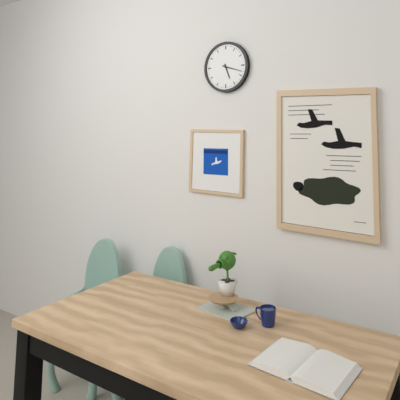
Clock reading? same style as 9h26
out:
5h18
